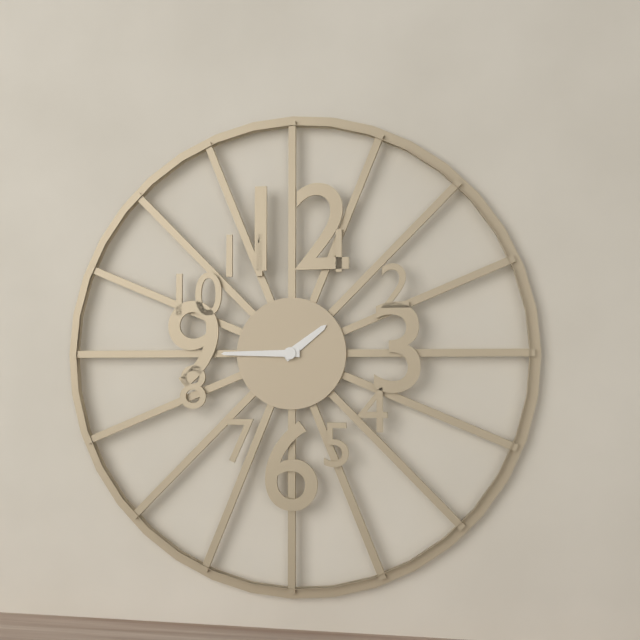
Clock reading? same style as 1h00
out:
1h45
